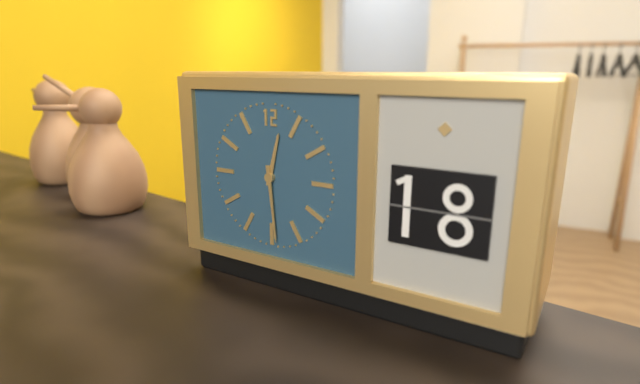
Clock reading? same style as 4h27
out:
12h29
